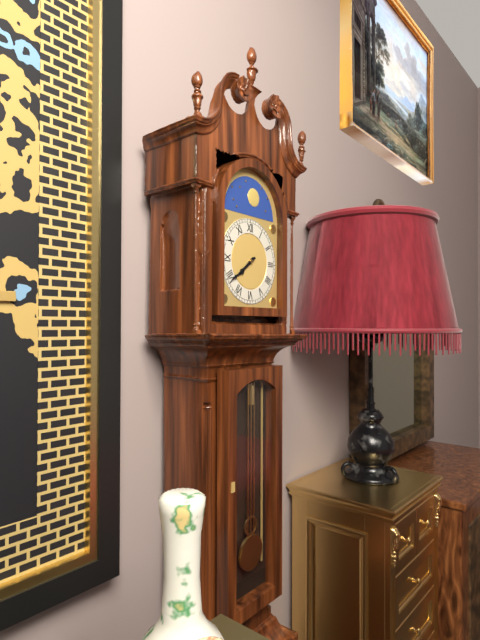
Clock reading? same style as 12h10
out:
7h39
